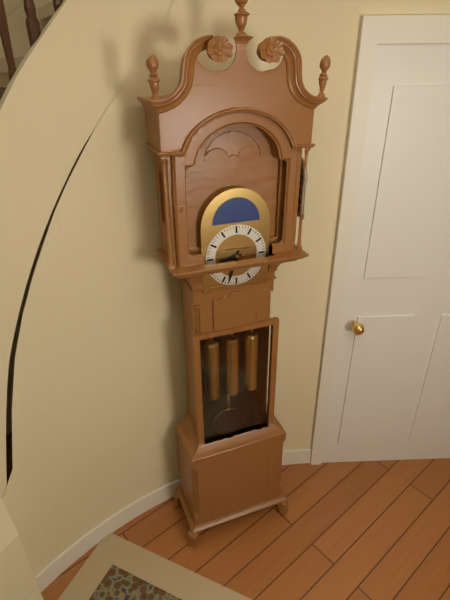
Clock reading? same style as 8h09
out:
8h33
